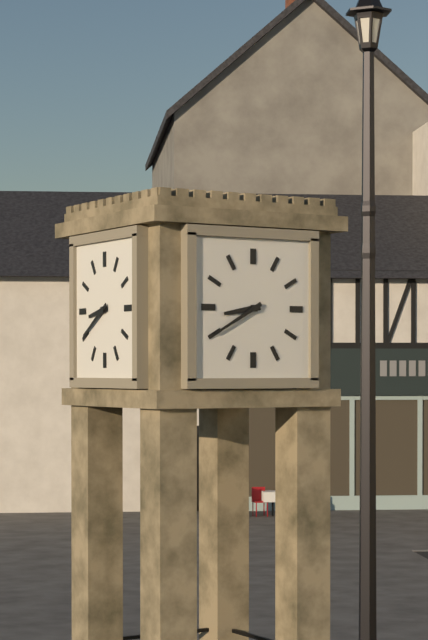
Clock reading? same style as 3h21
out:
8h40
